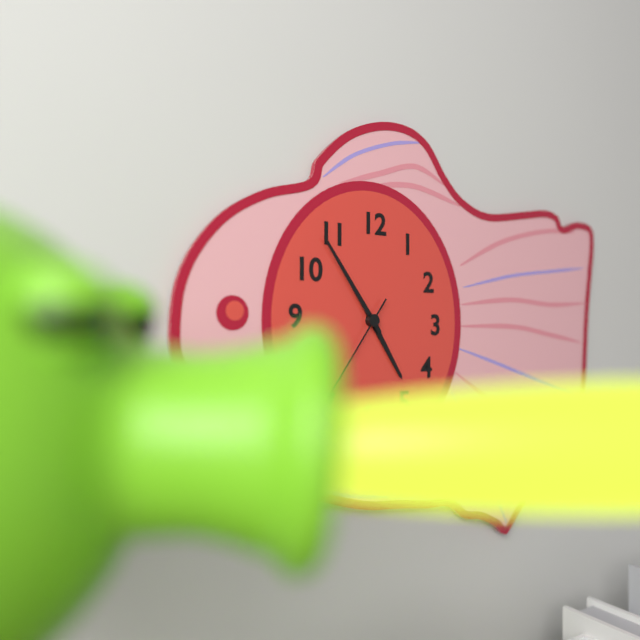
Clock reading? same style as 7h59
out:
4h54
